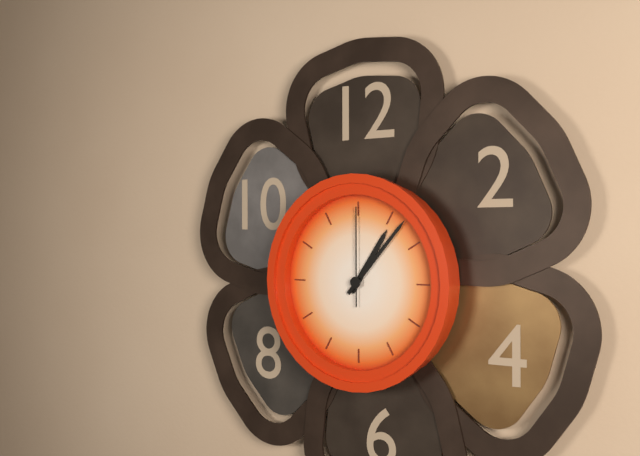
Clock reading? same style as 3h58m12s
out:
1h07m00s
